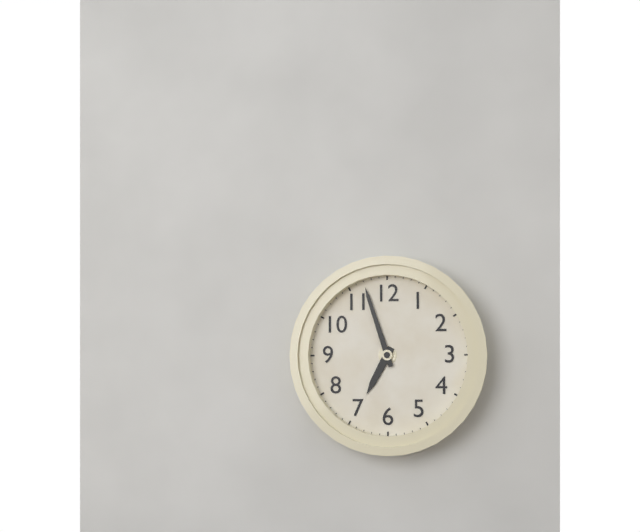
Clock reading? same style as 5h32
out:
6h57
